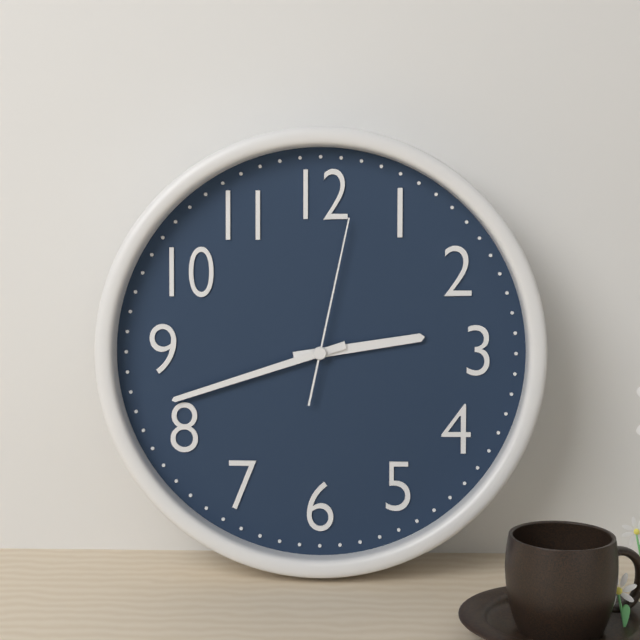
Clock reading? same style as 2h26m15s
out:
2h42m02s
